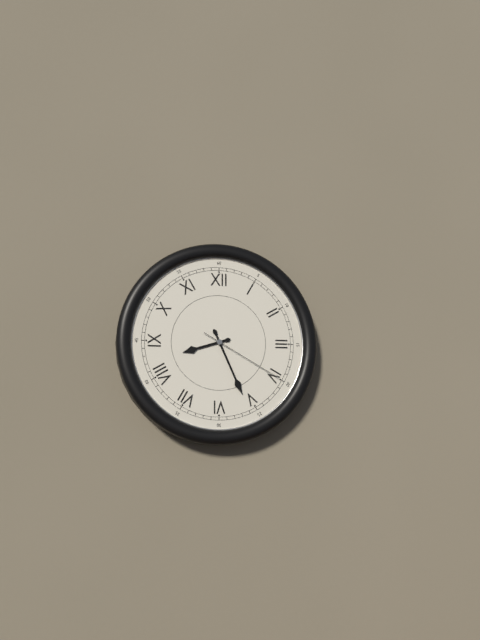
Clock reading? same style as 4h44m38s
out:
8h26m20s
